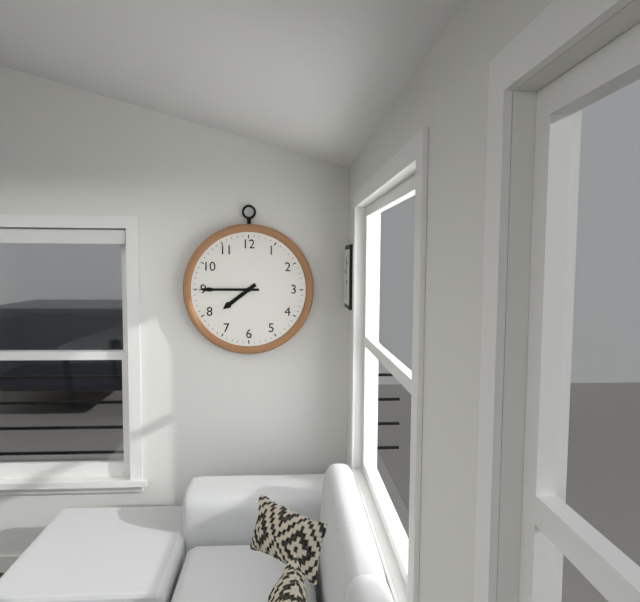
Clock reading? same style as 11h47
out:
7h45
